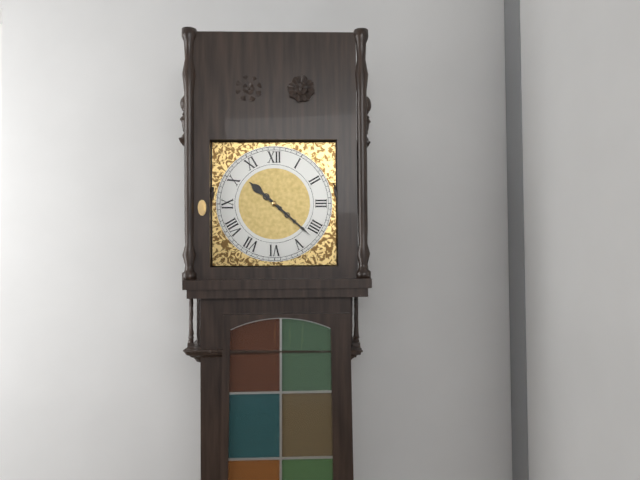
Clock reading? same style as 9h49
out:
10h22
